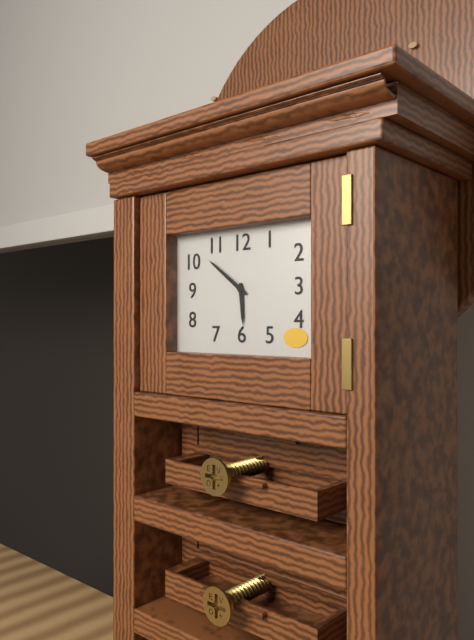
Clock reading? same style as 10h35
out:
5h51
